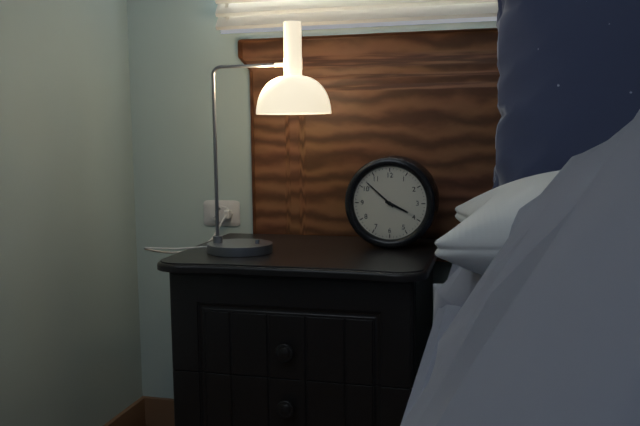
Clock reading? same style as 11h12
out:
3h52
